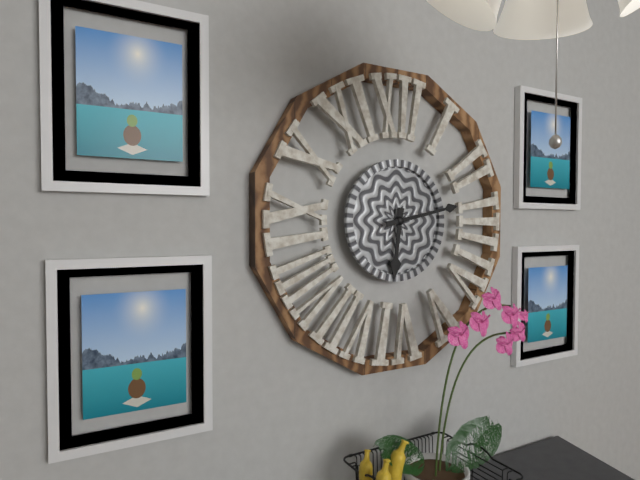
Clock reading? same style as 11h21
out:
6h13
